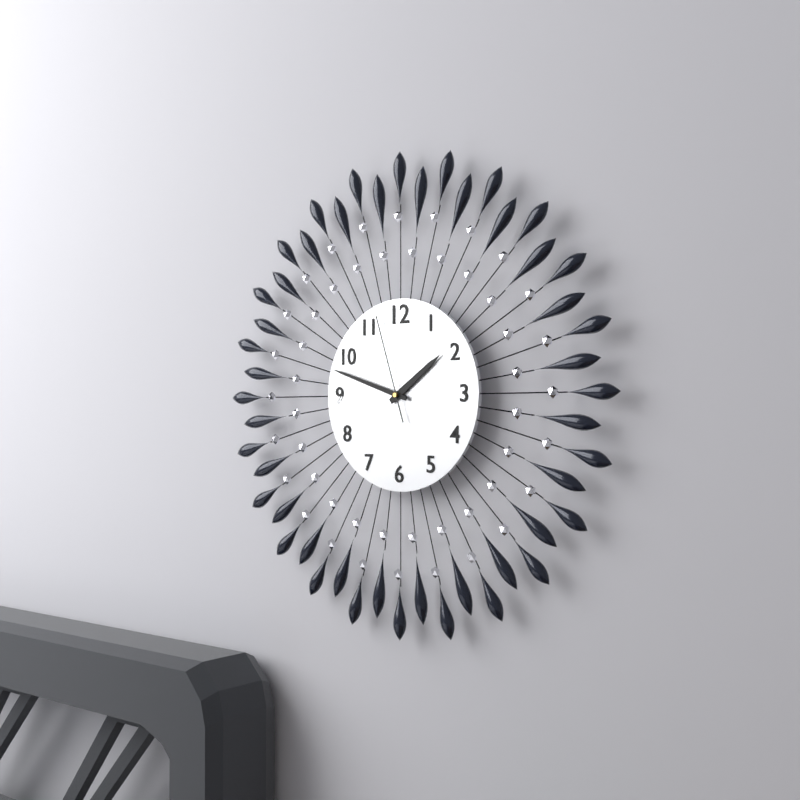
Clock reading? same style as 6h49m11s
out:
1h48m57s
